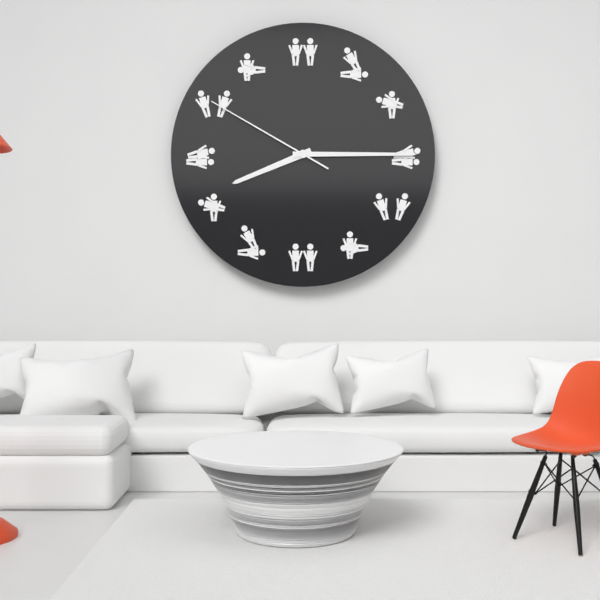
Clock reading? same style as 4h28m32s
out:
8h15m50s
